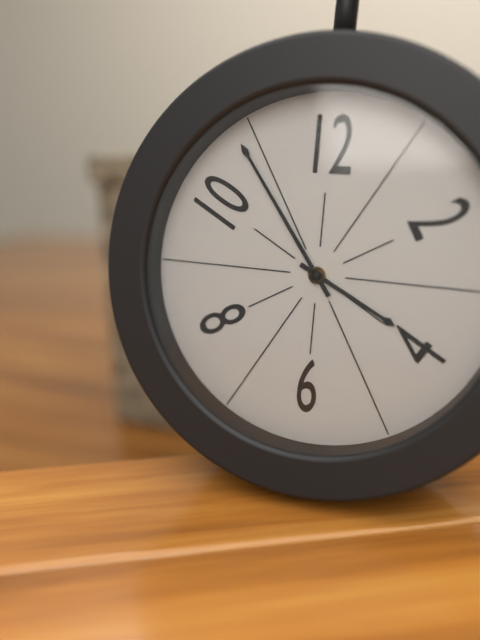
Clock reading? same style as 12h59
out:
3h54
